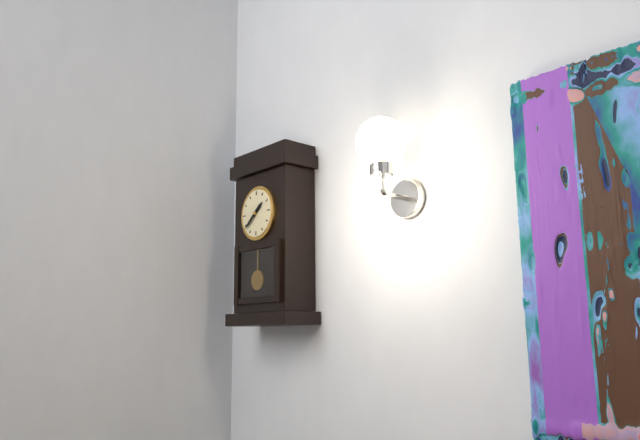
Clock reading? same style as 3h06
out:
1h38
